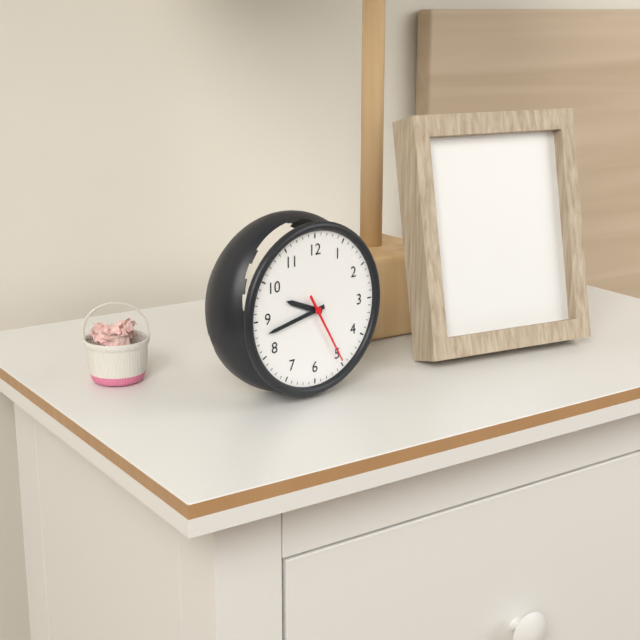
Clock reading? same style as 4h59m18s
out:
9h43m25s
